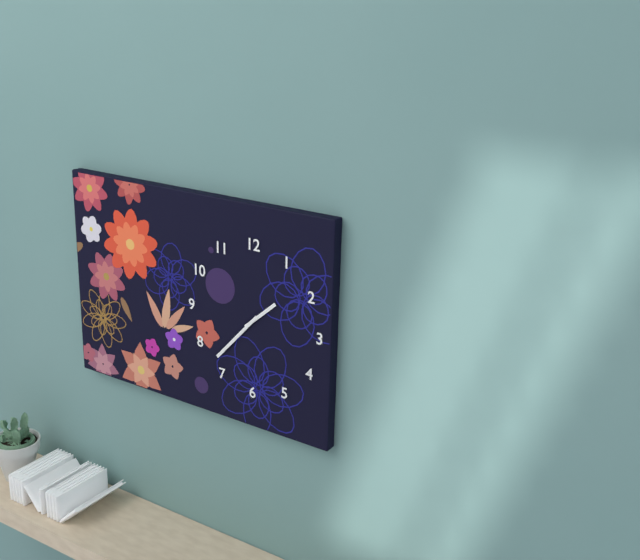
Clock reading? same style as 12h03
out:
1h37
